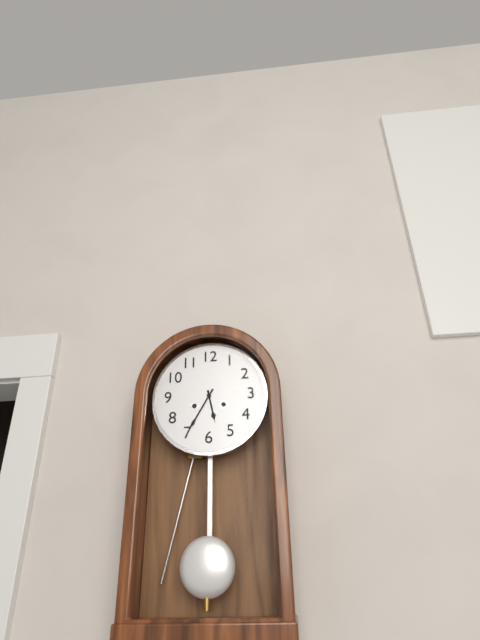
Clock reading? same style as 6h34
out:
5h35
